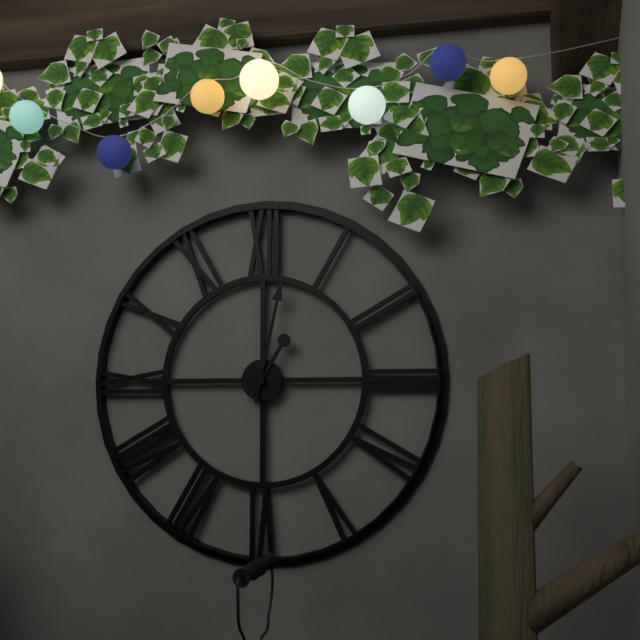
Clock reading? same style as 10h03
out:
1h02
